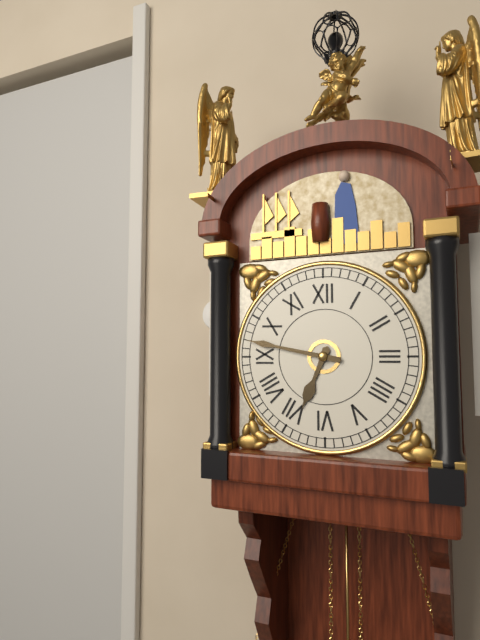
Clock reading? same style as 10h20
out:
6h47
